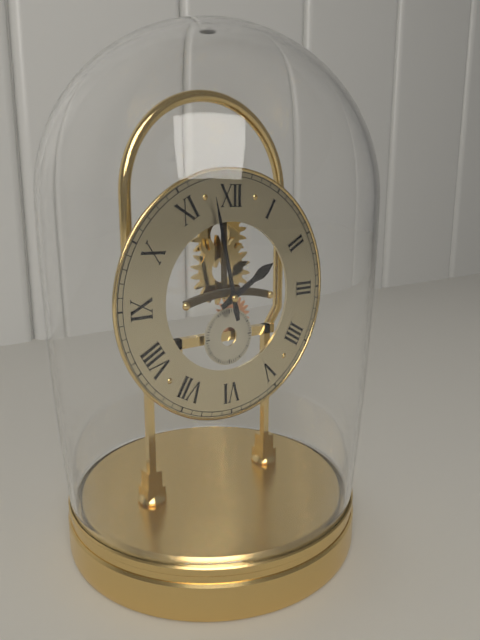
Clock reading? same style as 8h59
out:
1h58
